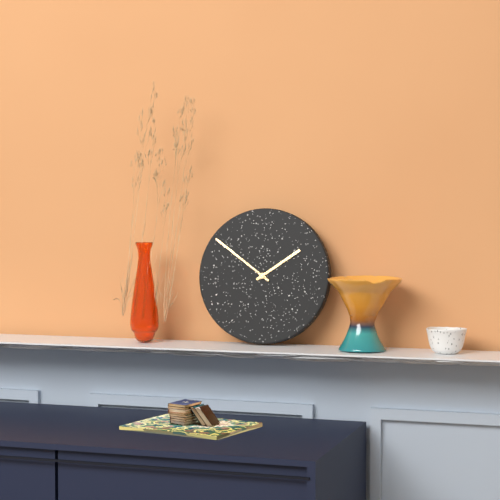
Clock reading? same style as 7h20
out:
1h51
